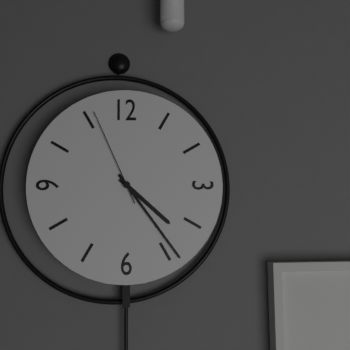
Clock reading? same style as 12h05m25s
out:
4h24m56s
